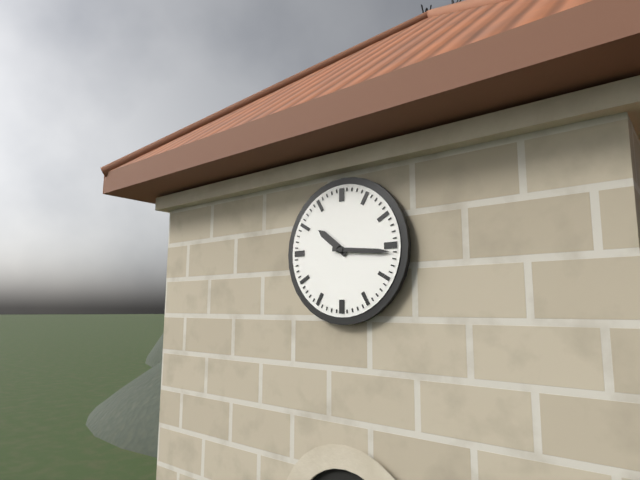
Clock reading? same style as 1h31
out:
10h16
